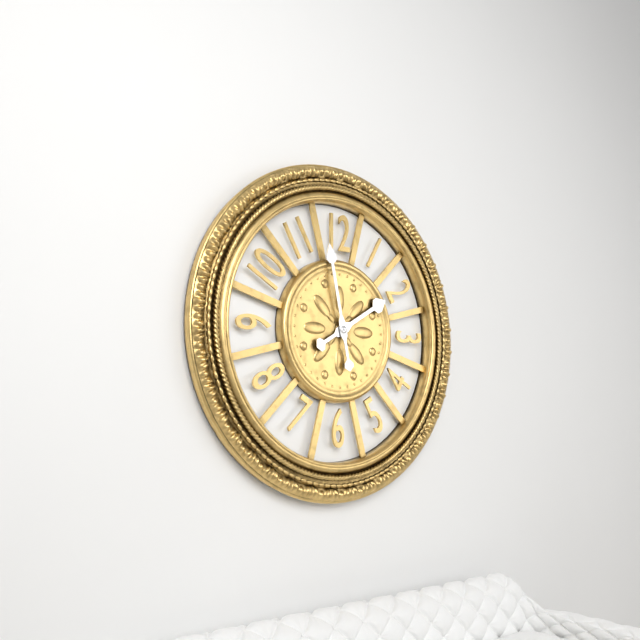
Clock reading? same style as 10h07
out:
1h58
